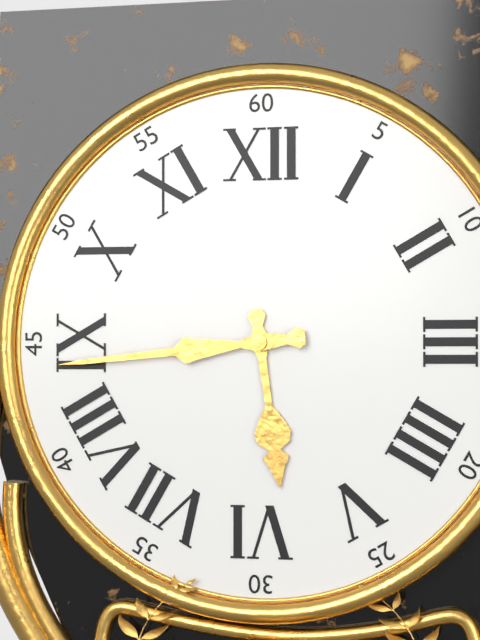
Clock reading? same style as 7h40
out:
5h44
